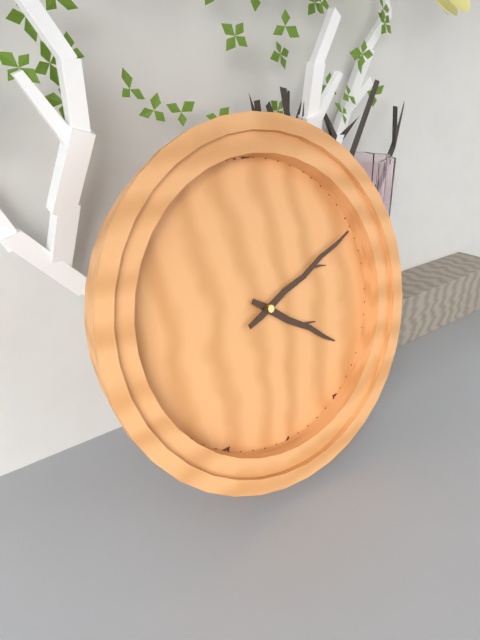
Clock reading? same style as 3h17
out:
4h11
